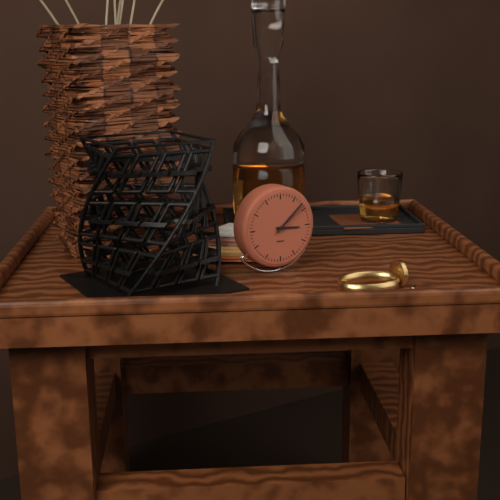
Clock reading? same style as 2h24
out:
3h08
